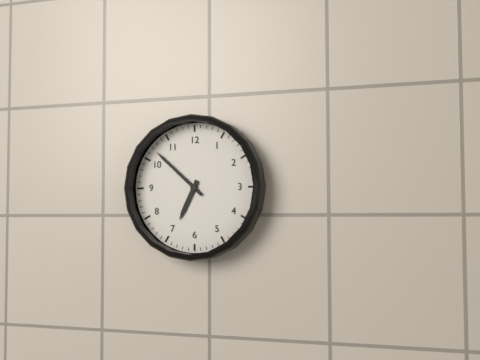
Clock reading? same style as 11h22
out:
6h52
